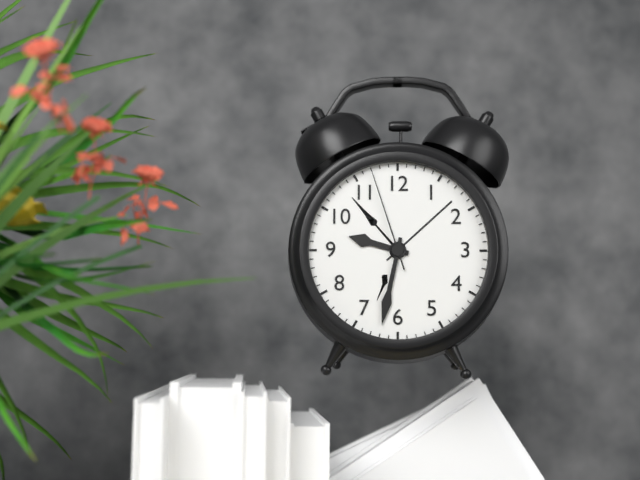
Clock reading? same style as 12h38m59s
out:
9h32m57s
